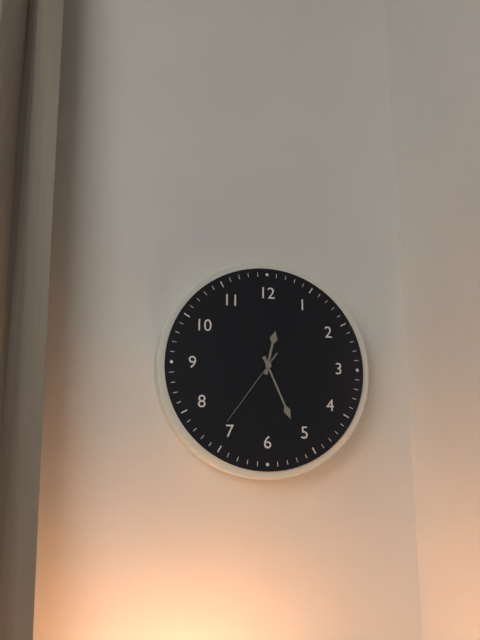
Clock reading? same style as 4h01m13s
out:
12h26m36s
